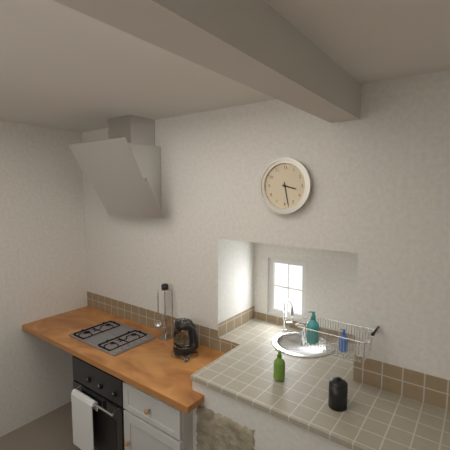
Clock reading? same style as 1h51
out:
3h28
